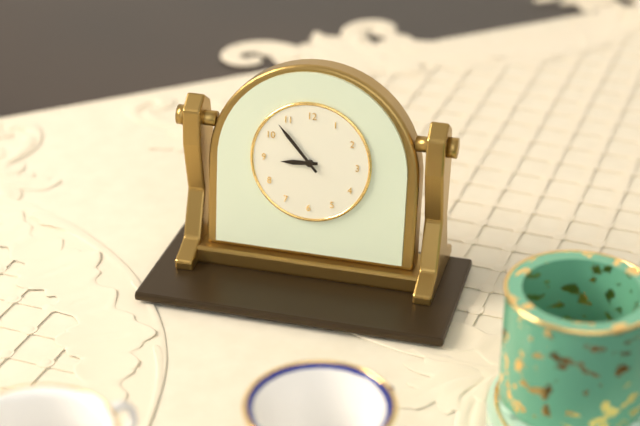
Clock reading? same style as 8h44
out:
8h53
